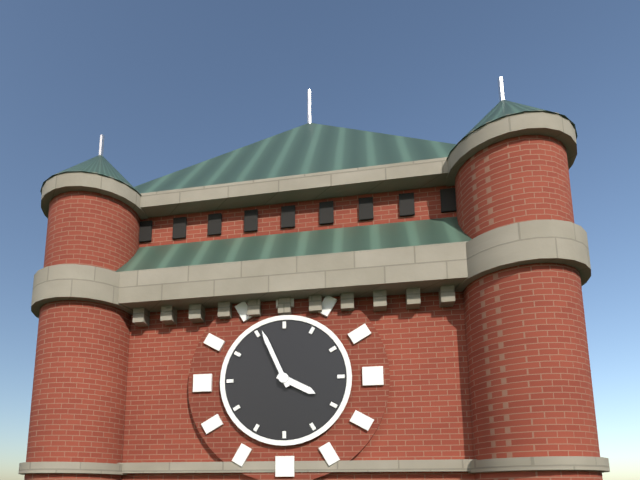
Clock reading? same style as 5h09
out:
3h56
